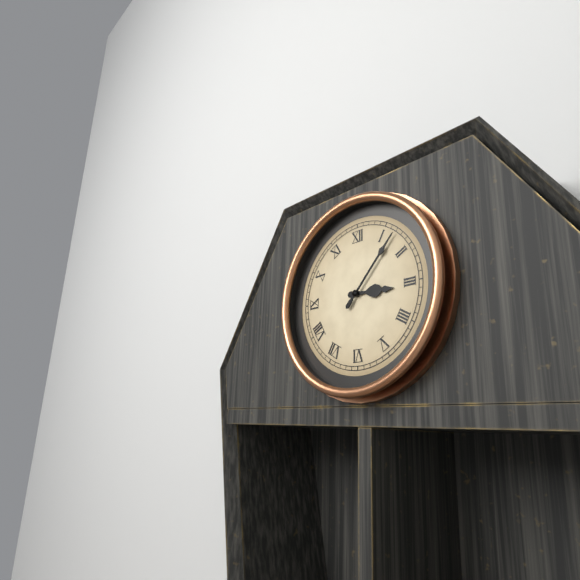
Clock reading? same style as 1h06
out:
3h07
